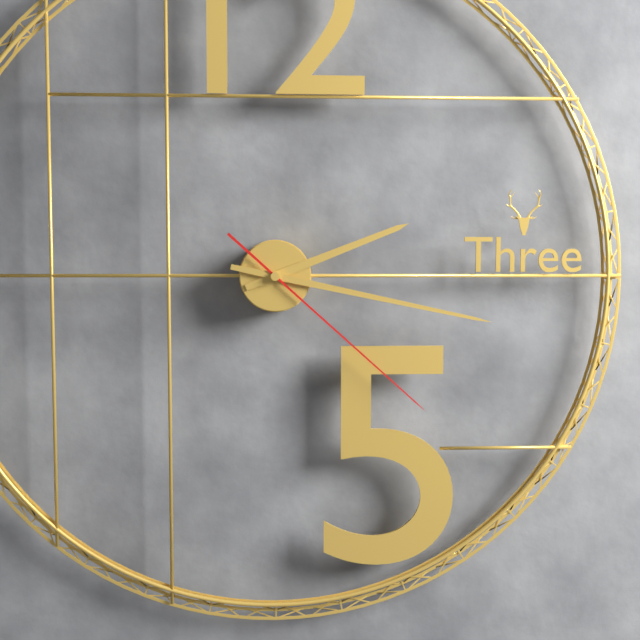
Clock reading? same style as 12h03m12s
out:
2h17m22s
